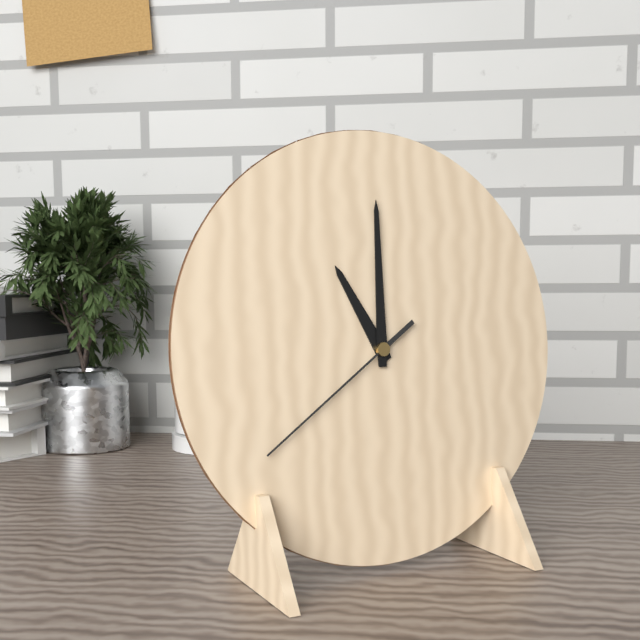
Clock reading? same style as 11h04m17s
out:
11h00m39s
